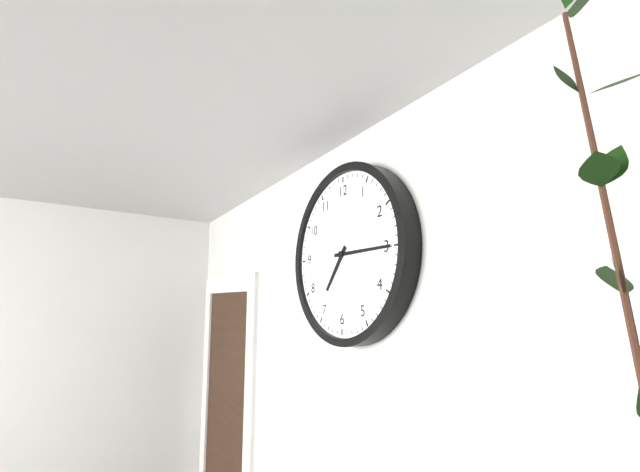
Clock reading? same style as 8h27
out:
7h15
